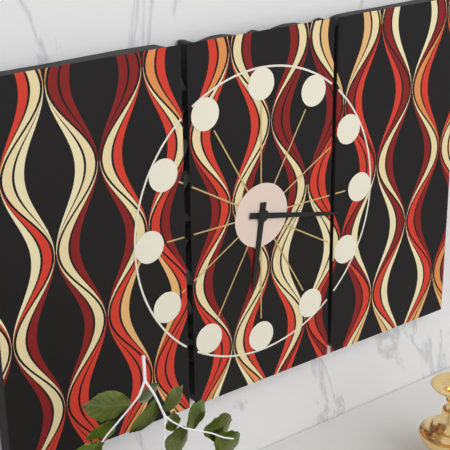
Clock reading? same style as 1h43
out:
6h17
